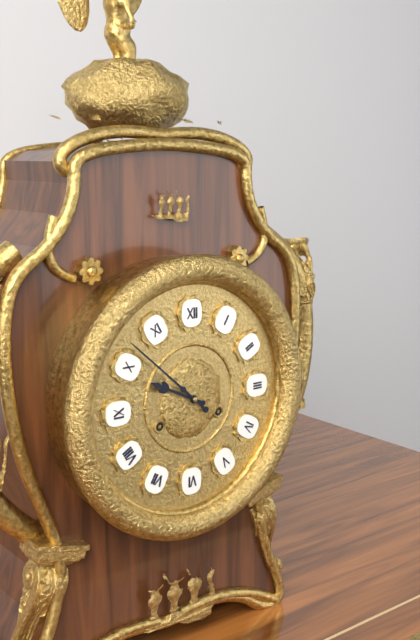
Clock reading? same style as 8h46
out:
9h52
